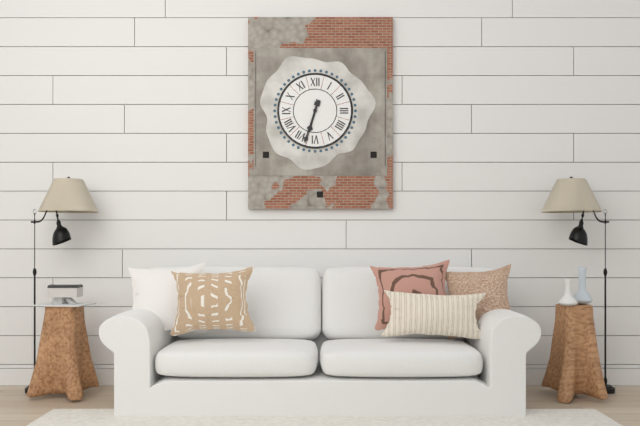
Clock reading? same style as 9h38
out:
6h33
